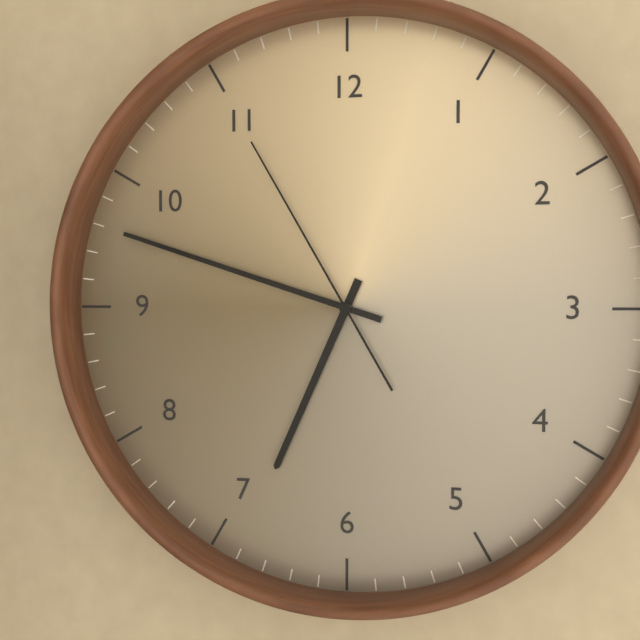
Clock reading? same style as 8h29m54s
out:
6h48m55s
